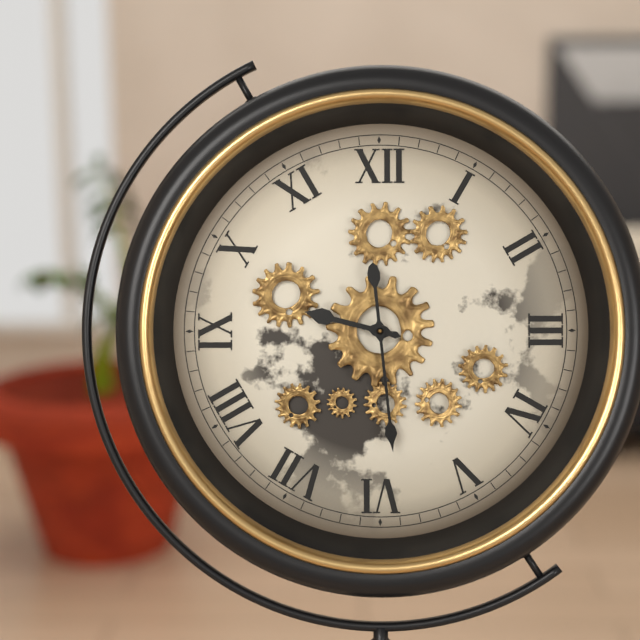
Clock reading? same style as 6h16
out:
9h29
